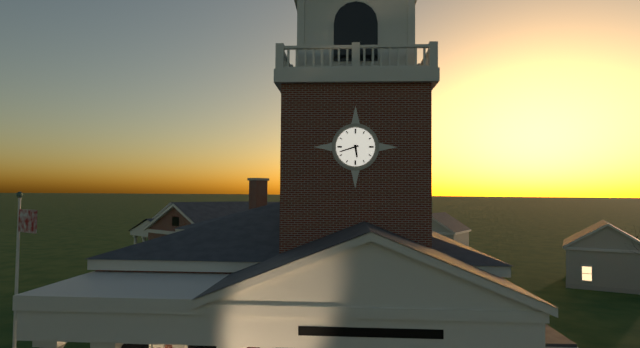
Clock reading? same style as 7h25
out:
5h42
